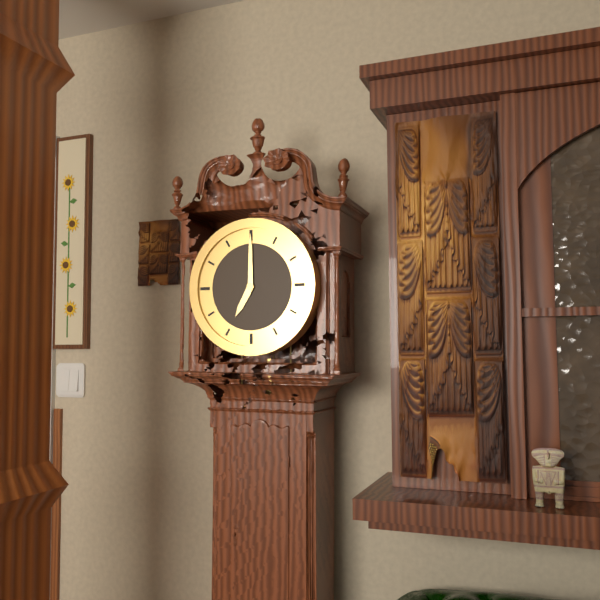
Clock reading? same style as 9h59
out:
7h00
